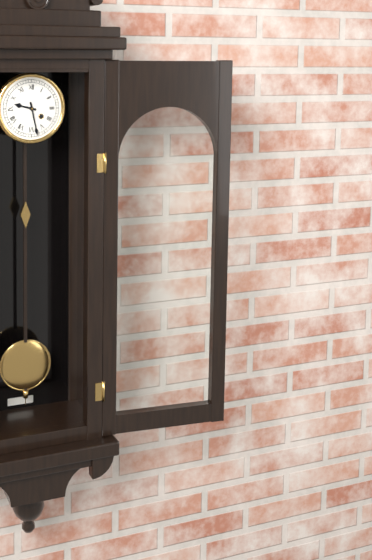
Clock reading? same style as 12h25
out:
9h28
